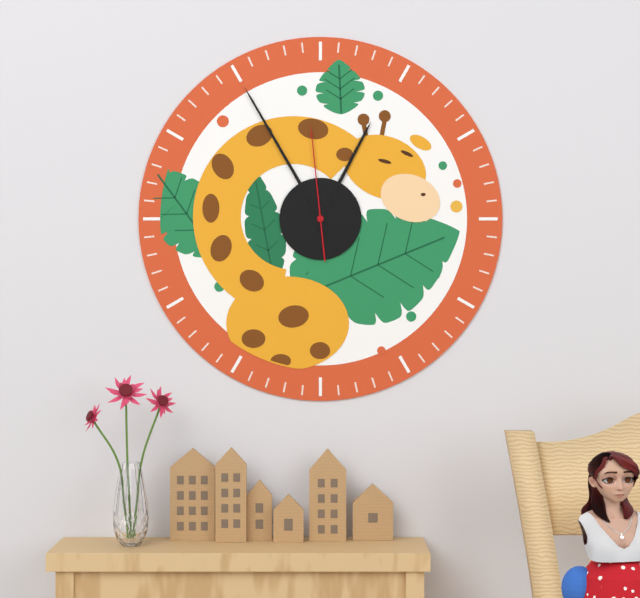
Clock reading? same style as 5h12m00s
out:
12h55m59s
